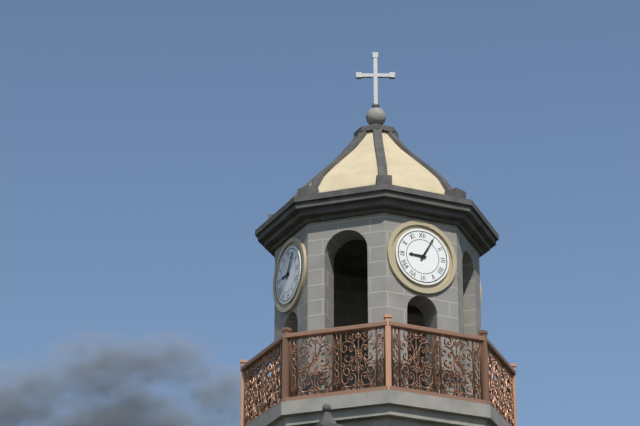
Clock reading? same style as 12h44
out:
9h05
